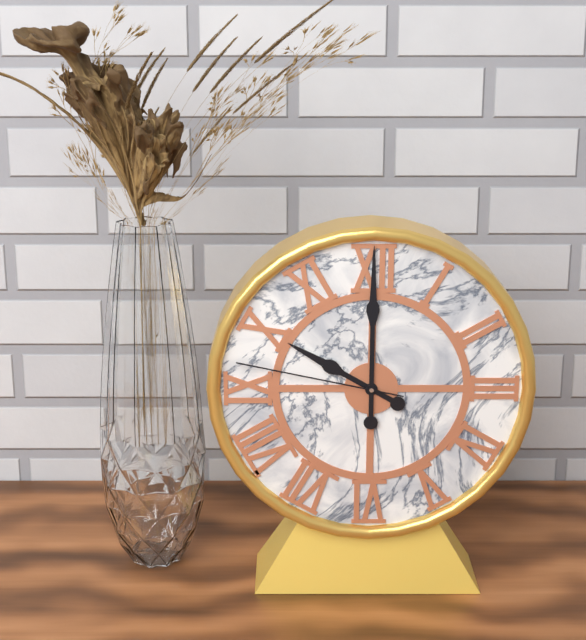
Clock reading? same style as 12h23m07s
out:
10h00m47s
